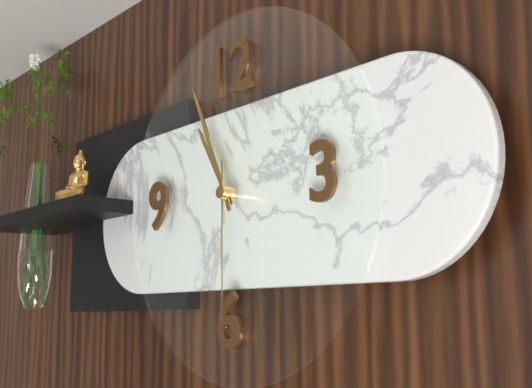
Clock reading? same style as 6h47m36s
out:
10h56m30s
